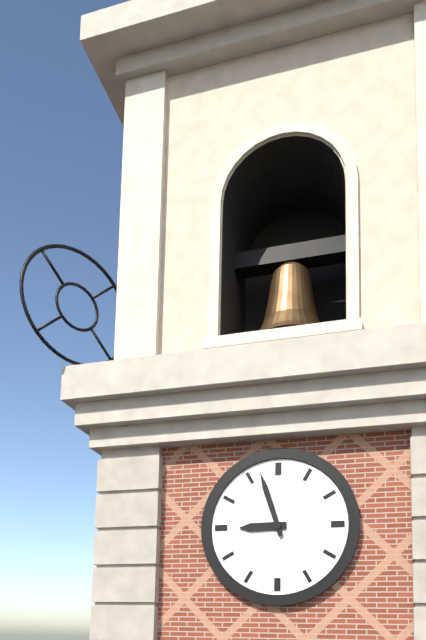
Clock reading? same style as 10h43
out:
8h57
